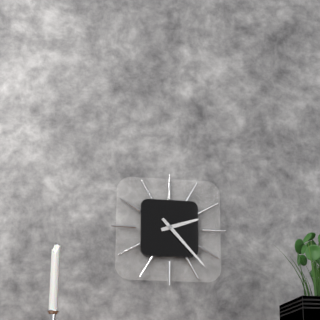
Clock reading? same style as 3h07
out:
2h23
